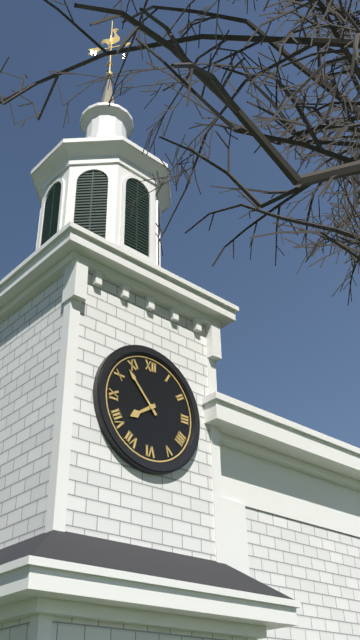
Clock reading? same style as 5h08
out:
7h53
